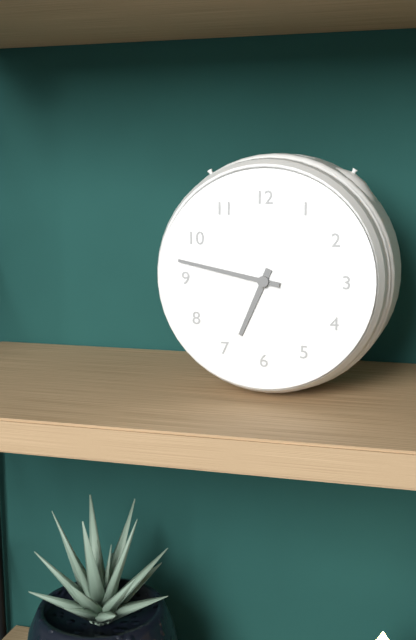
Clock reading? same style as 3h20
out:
6h47
